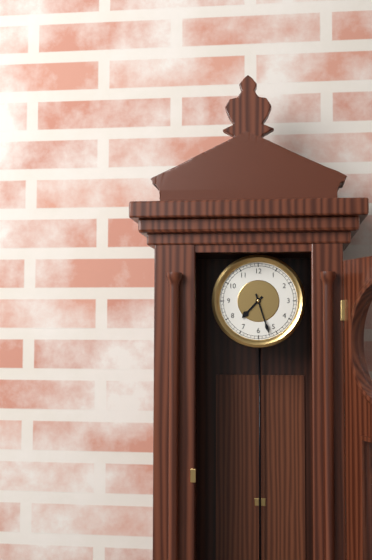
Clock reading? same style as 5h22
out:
7h27
